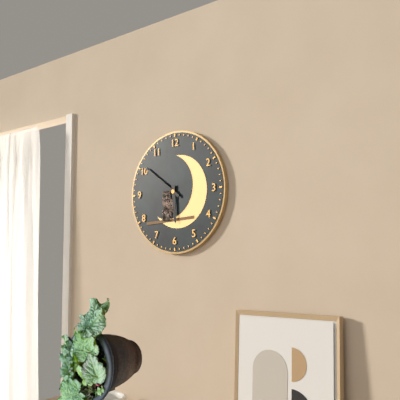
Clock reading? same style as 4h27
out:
5h51
